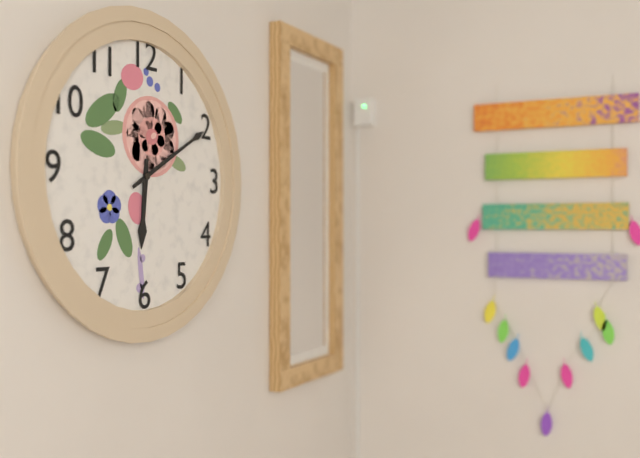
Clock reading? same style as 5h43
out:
6h10
